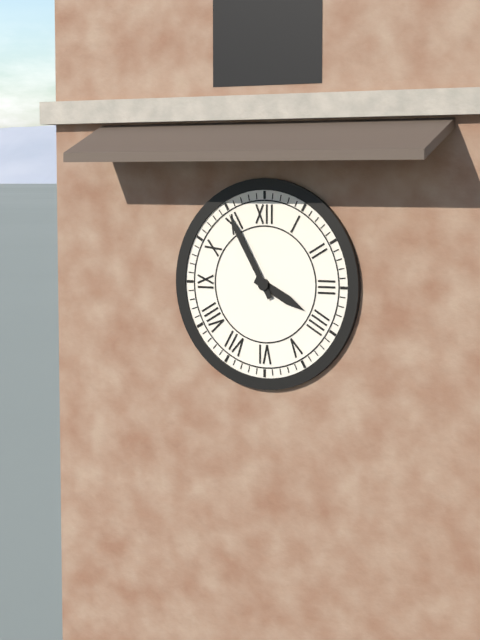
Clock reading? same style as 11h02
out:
3h55
